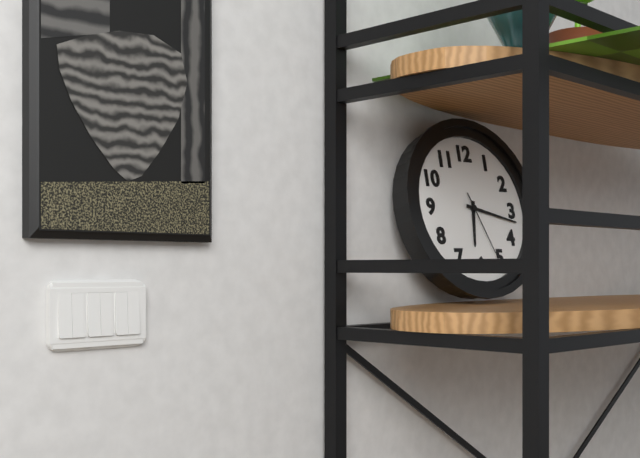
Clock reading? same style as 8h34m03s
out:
6h17m26s
